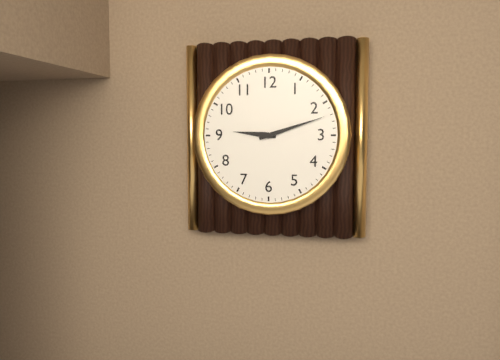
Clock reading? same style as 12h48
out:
9h12
